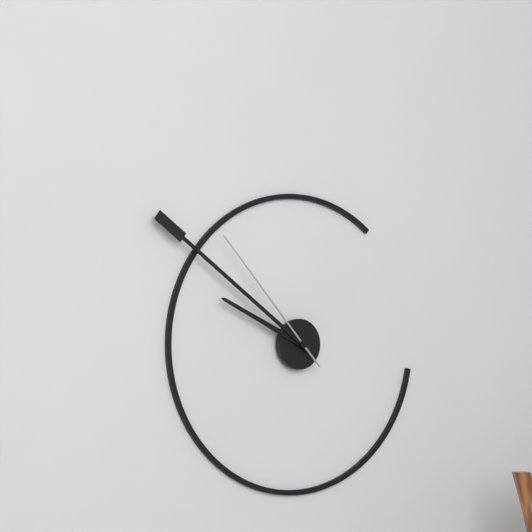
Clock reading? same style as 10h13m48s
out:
9h51m53s
